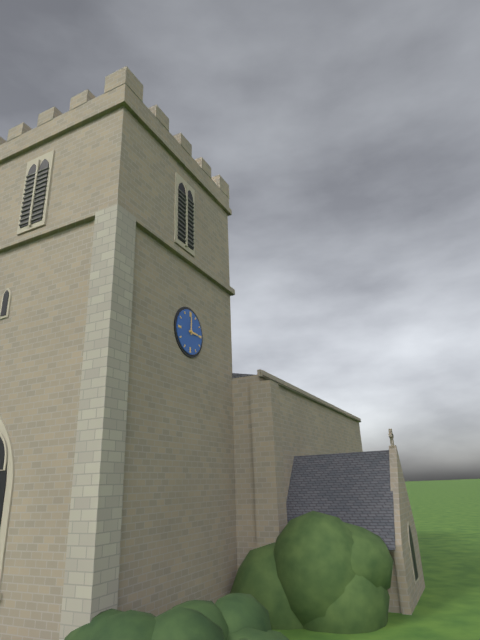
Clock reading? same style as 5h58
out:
3h00
